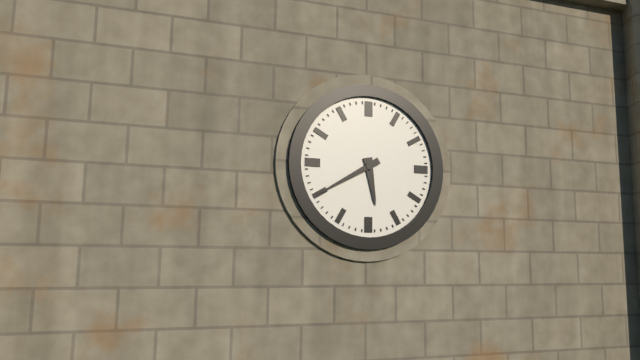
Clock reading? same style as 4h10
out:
5h40
